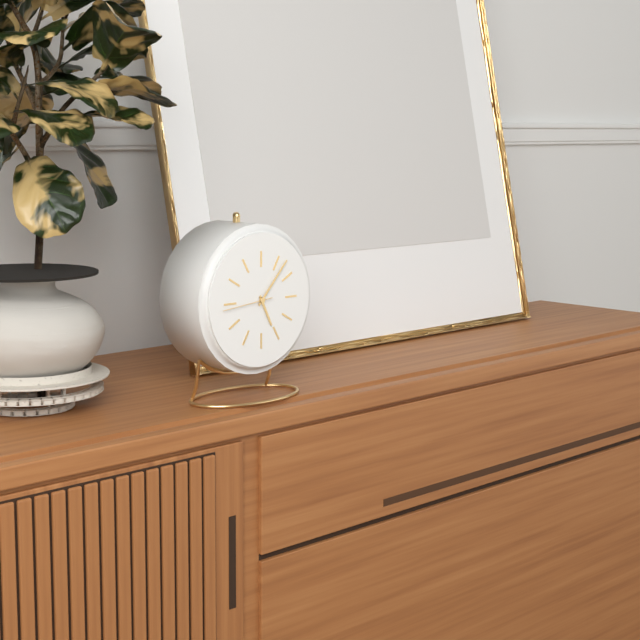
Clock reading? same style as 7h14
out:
5h07
